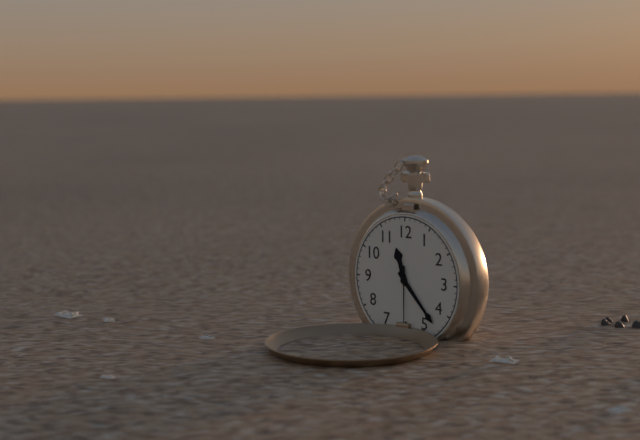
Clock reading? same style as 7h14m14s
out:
11h23m30s
